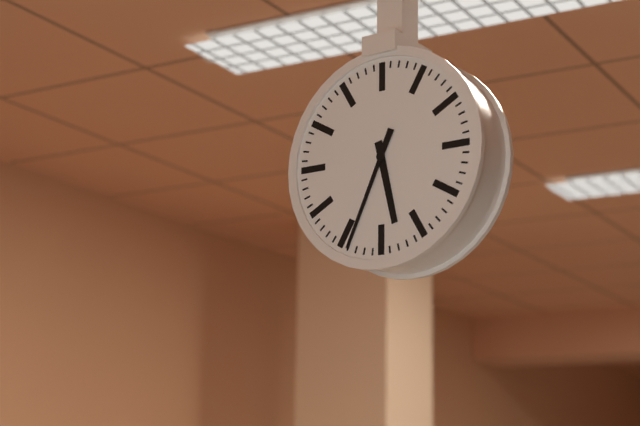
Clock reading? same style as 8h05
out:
5h34
